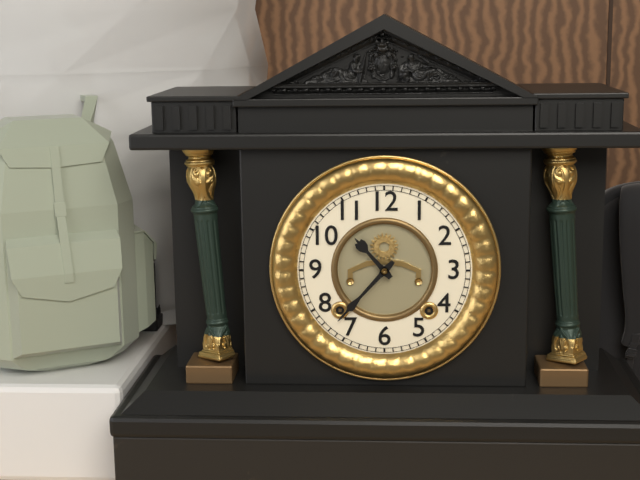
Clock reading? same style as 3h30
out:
10h37
